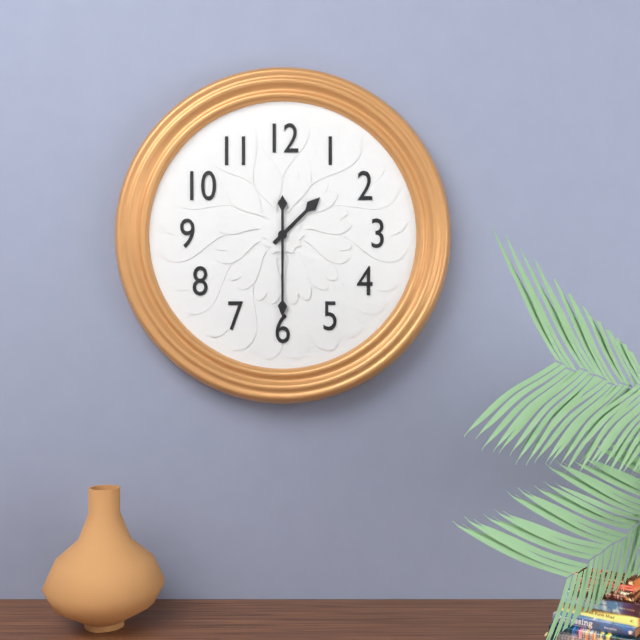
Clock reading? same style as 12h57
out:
1h30
